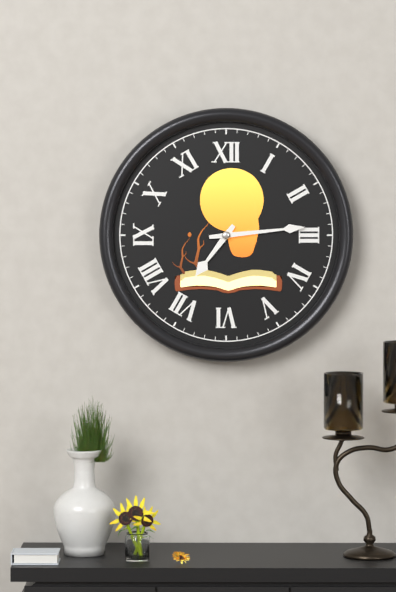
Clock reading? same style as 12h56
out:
7h14
